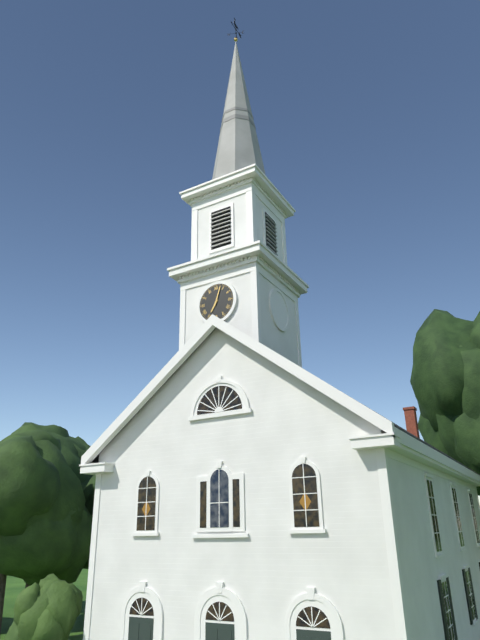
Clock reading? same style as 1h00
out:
7h03
